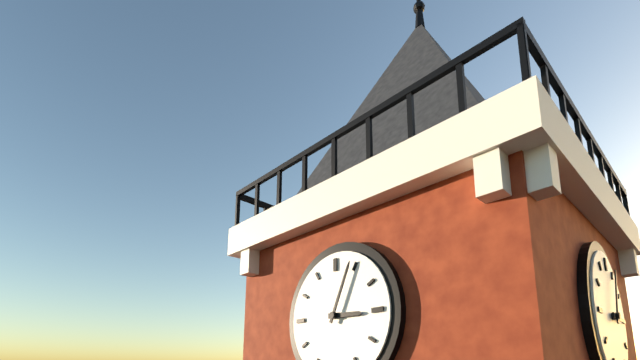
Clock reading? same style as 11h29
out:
3h04
